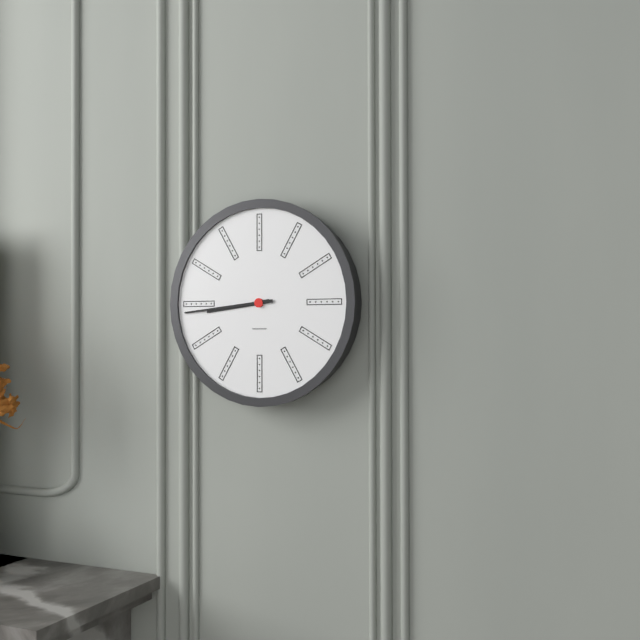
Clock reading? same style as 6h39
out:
8h44
